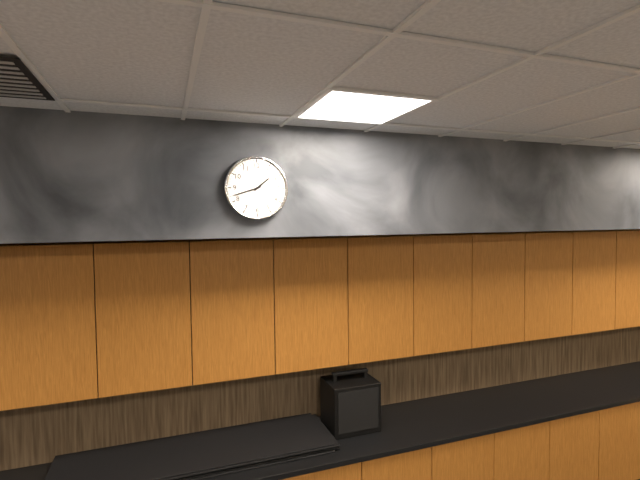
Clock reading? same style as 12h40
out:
1h42
